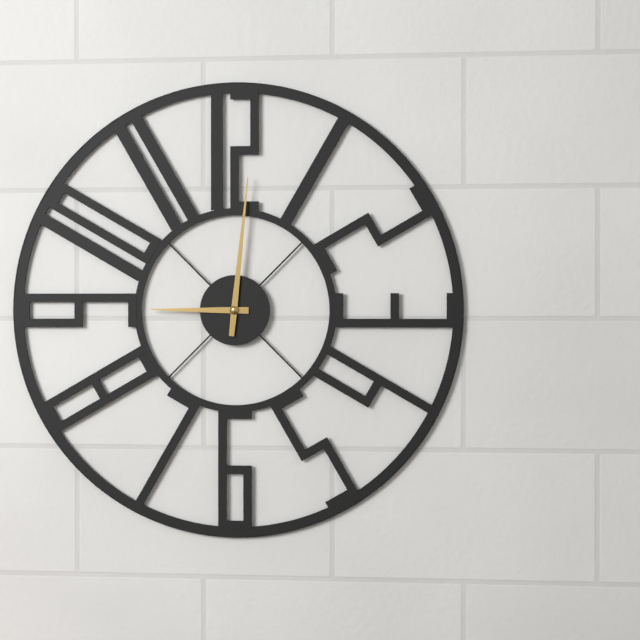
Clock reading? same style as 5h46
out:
9h01
